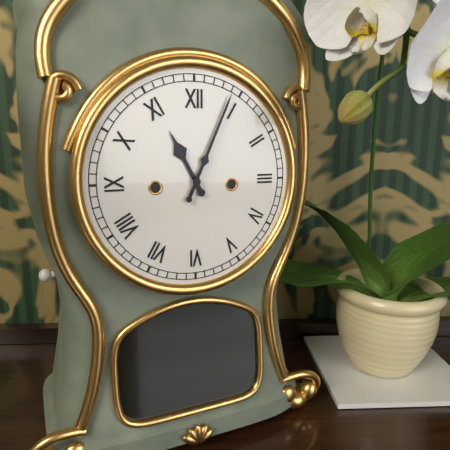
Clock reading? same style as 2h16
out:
11h04
